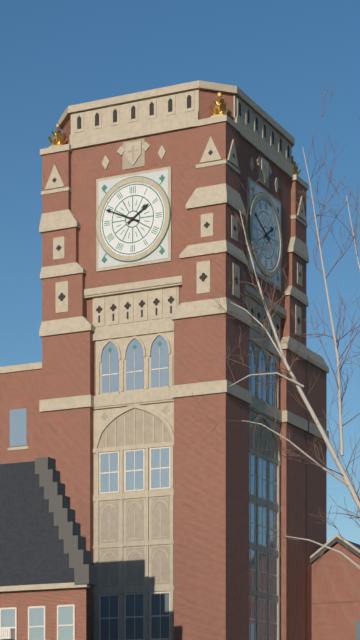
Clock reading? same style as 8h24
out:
1h49
